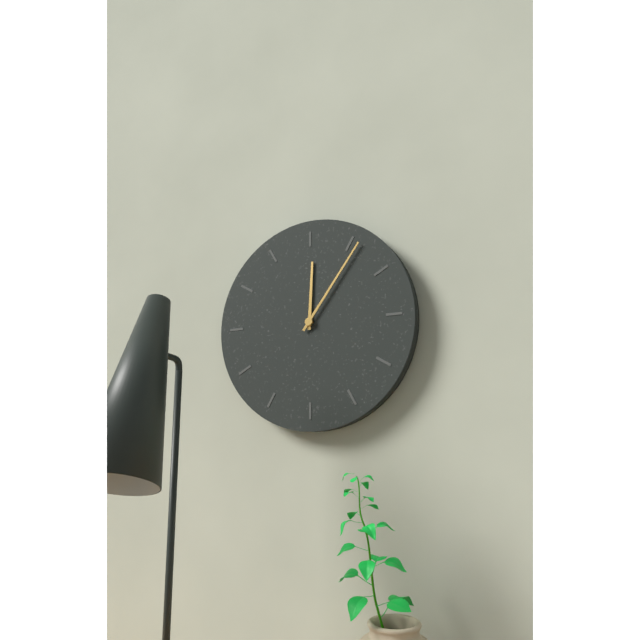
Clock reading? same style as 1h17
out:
12h06
